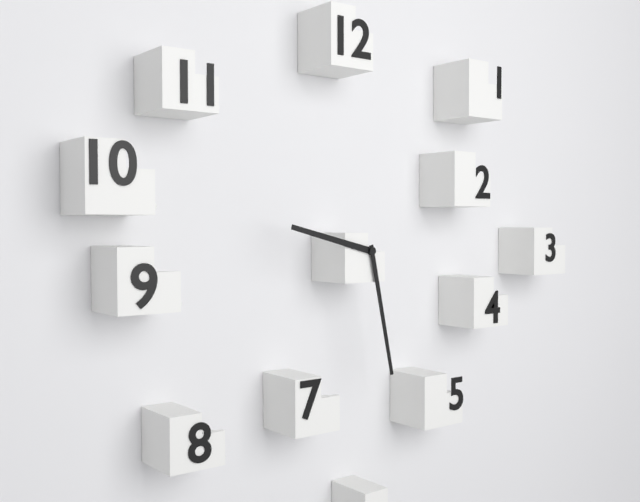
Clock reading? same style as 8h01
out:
9h28
